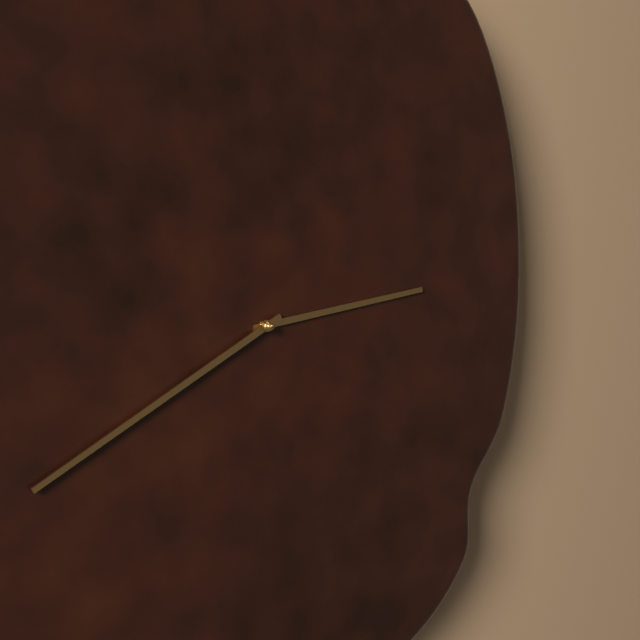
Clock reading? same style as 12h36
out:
2h40
